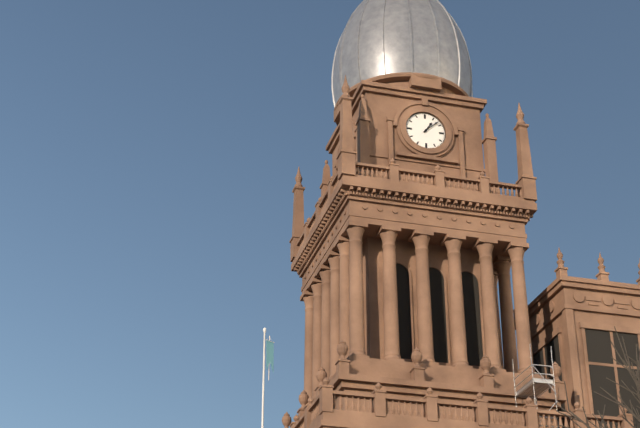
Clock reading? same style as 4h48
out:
1h08
